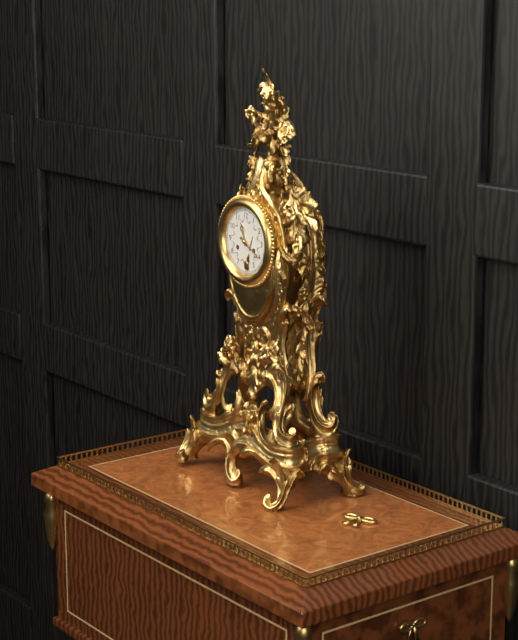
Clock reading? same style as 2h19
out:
11h20
